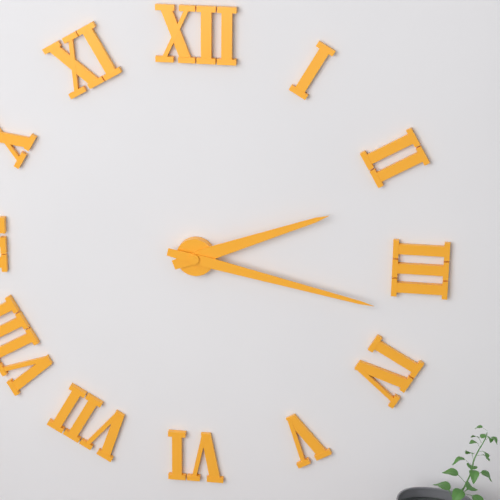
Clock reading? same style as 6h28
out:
2h17
